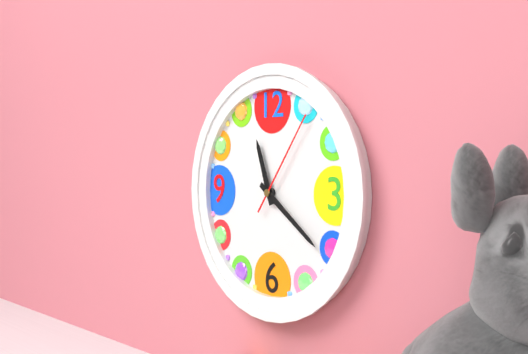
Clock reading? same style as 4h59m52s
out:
11h21m06s
